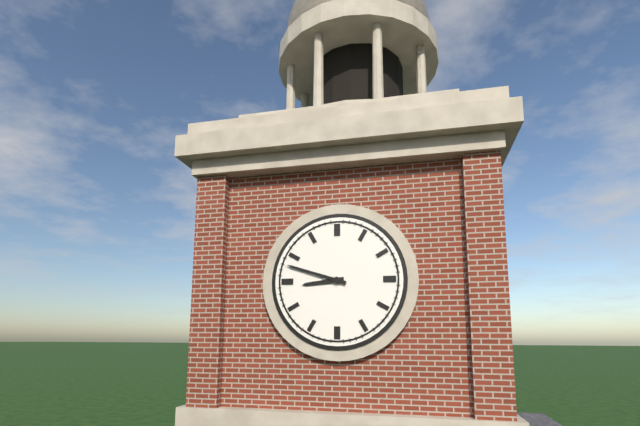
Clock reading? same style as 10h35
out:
8h48
